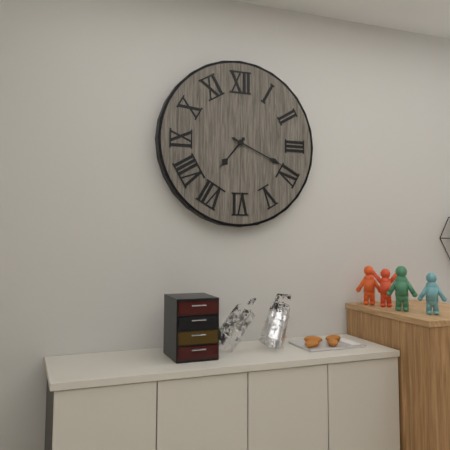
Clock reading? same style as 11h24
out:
7h19
